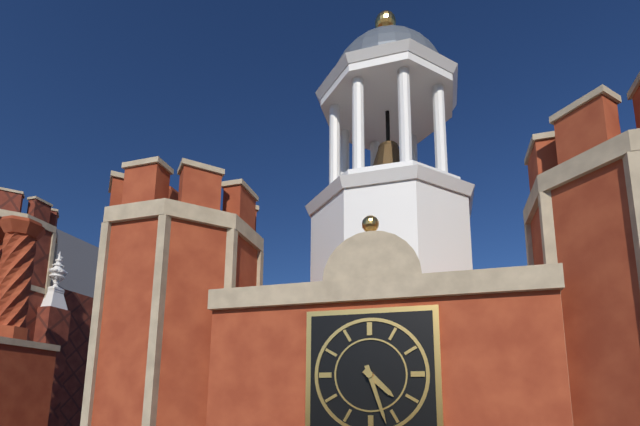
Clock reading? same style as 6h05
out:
4h27
